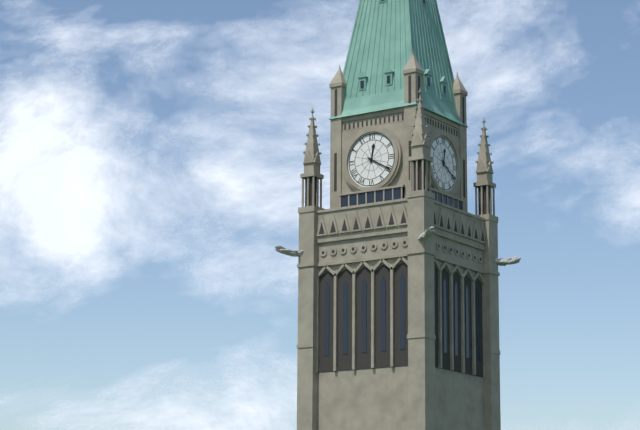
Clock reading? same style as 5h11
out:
12h20
